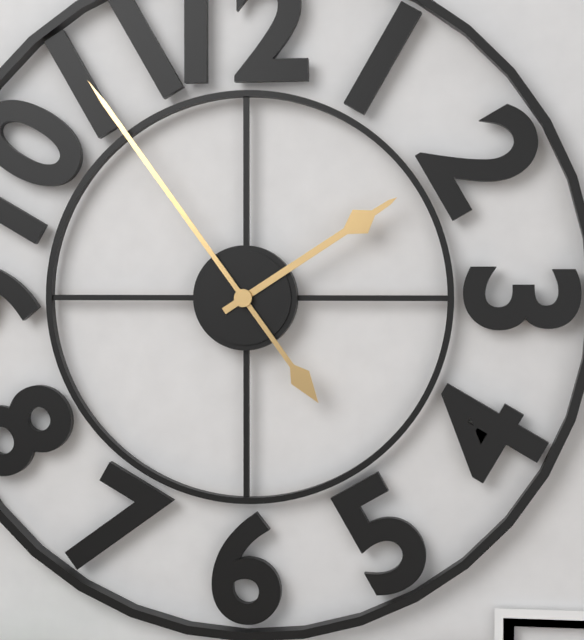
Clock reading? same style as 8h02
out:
1h54
